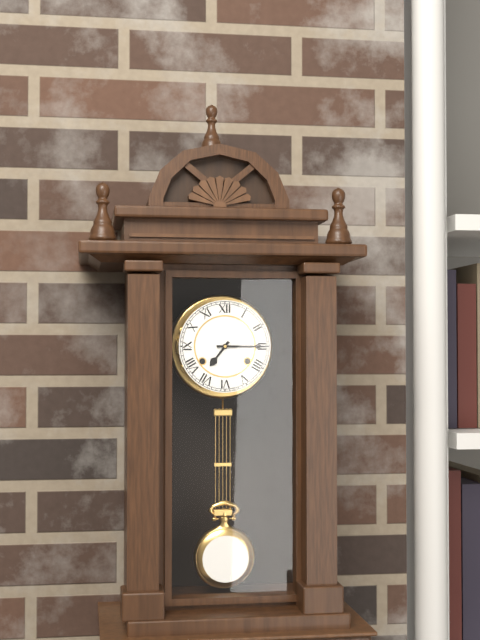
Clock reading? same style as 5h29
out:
7h15
